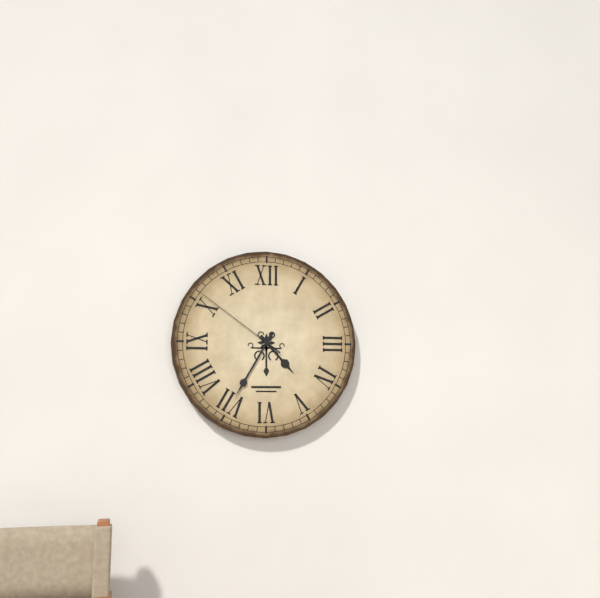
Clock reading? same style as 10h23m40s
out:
4h35m51s
